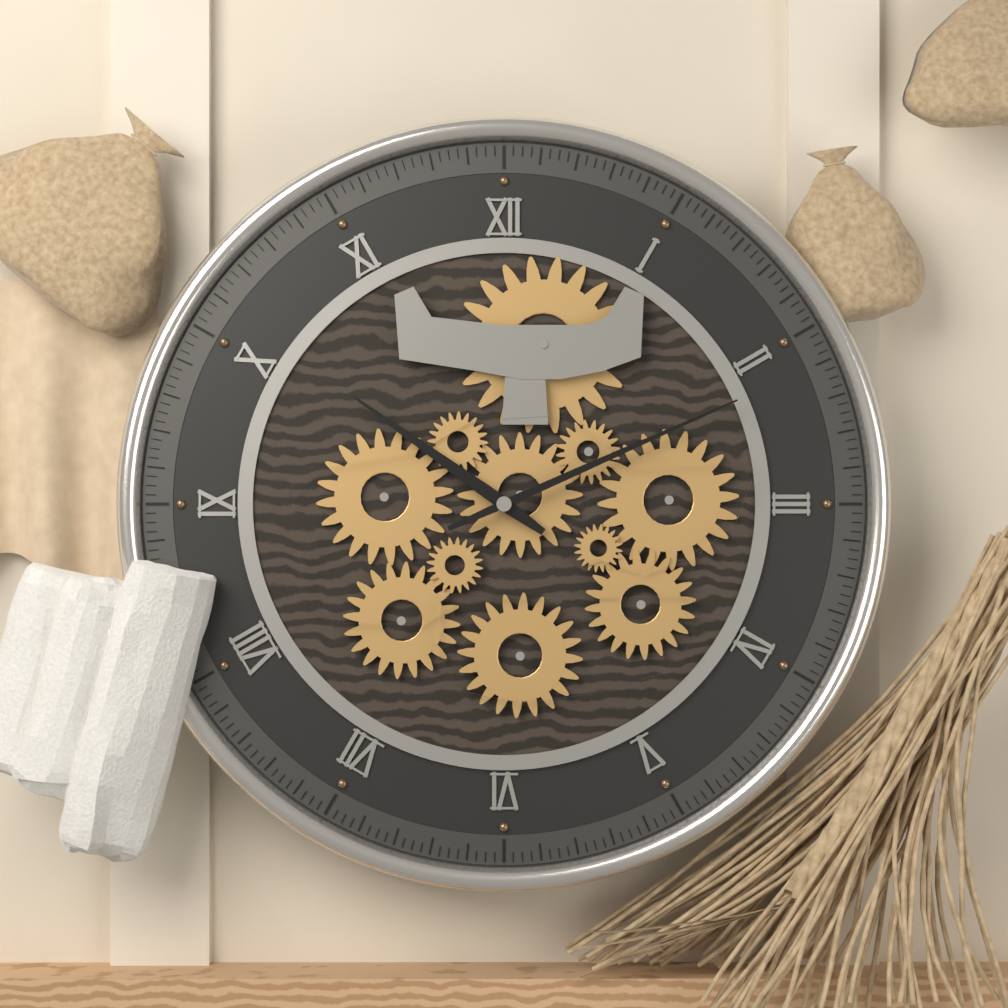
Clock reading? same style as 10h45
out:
10h11
